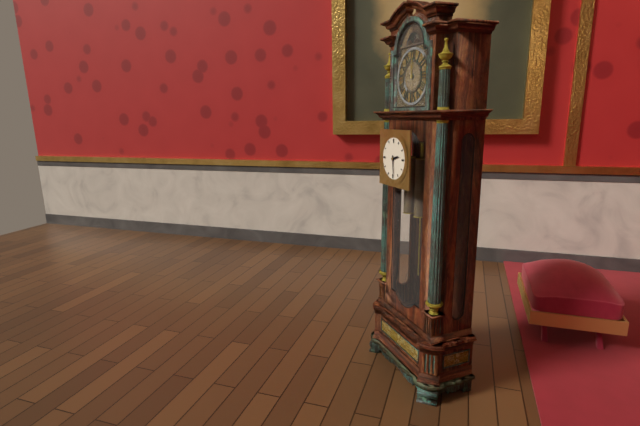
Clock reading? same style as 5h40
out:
2h29
